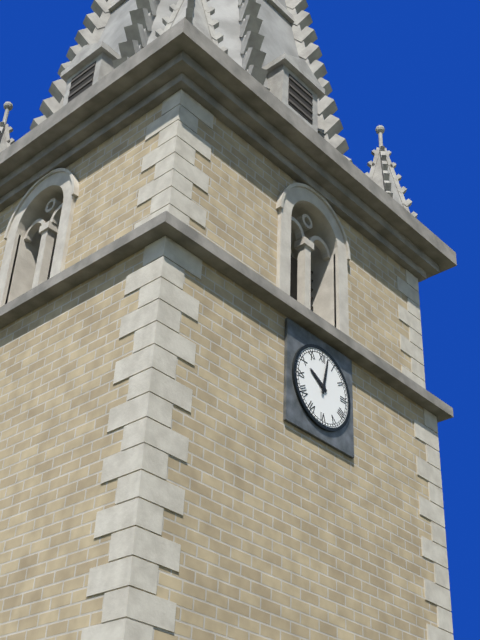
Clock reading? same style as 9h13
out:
10h02
